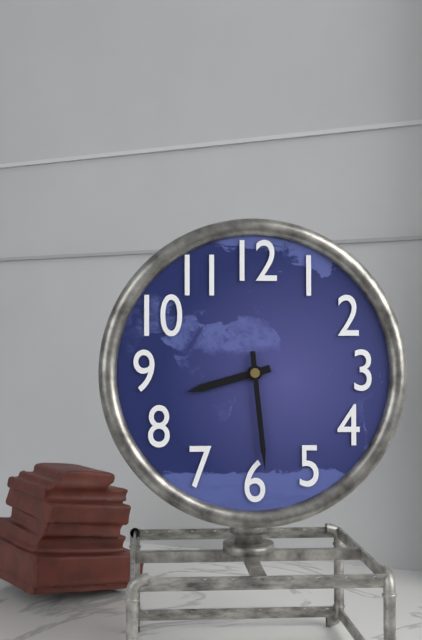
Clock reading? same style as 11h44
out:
8h29
